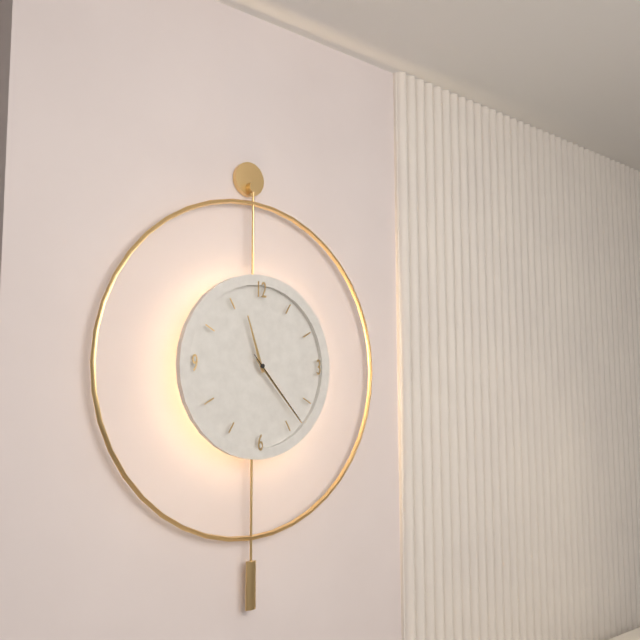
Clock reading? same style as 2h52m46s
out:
11h23m23s
